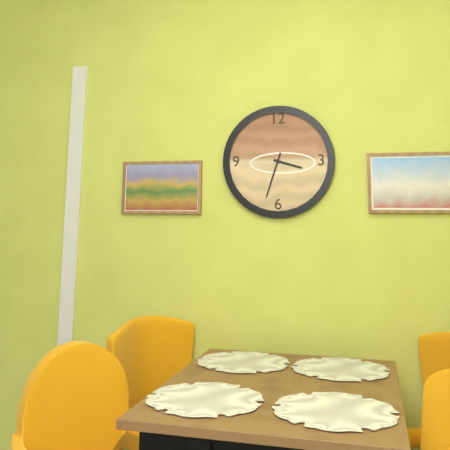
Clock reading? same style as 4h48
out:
3h33
